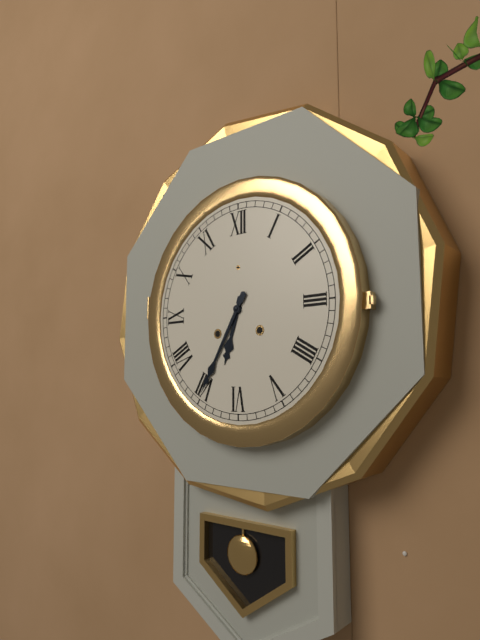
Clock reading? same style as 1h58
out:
6h35
